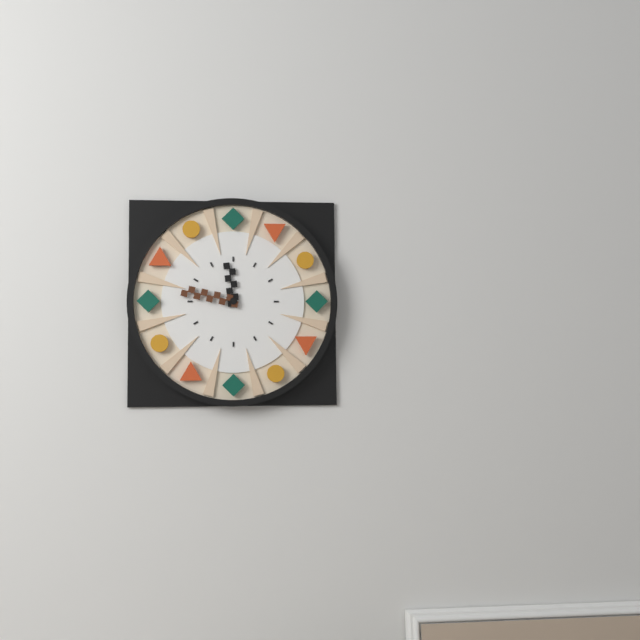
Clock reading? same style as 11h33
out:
11h47
